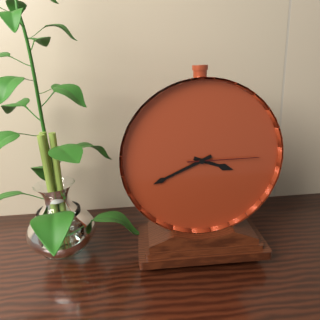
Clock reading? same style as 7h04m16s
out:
3h41m15s
